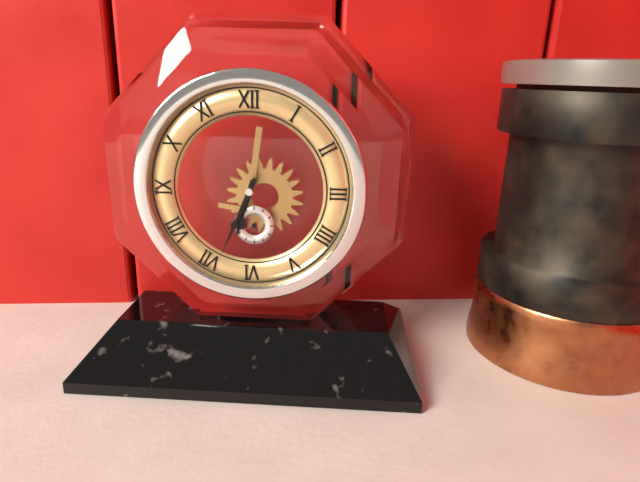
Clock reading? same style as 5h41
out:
6h34
